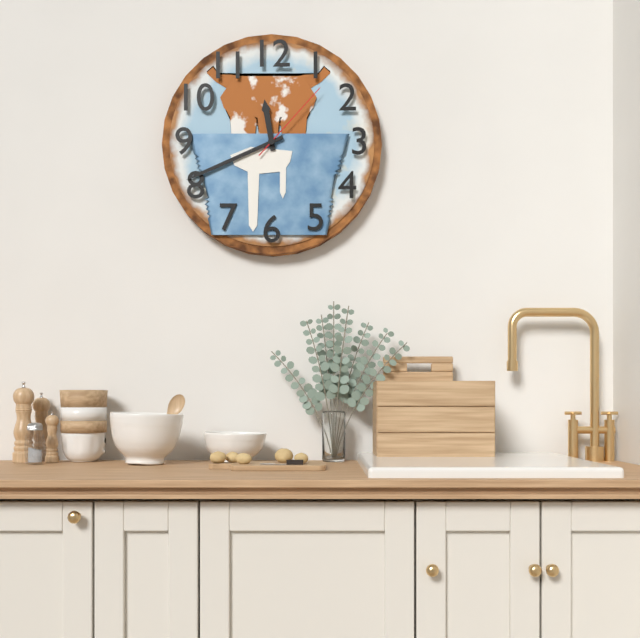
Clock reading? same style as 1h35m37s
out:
11h41m07s
